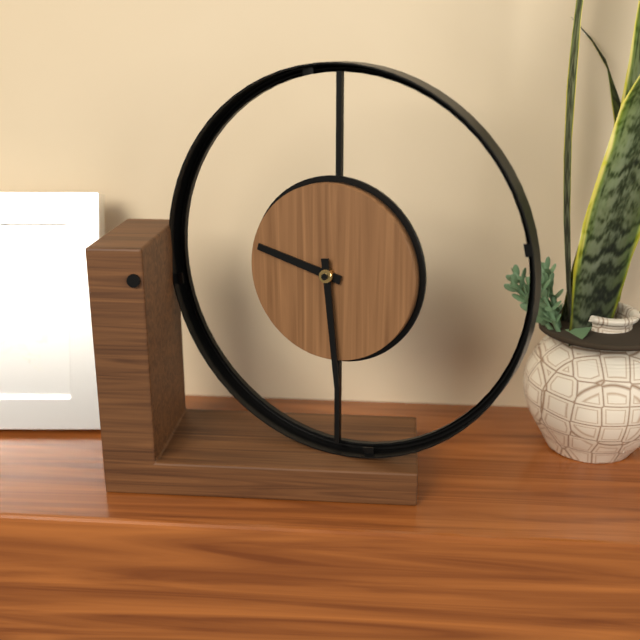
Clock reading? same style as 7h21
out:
9h29
